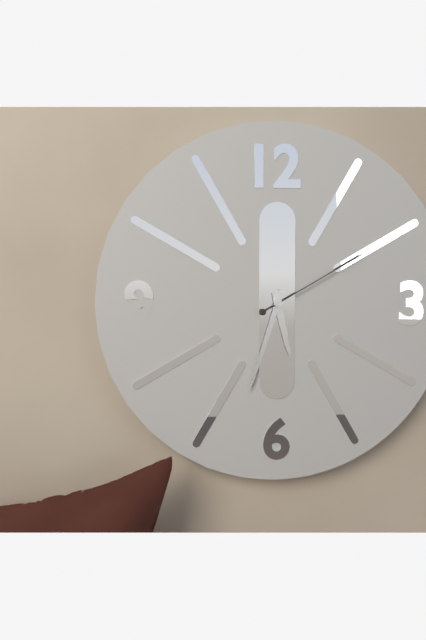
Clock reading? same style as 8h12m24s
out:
5h33m10s
